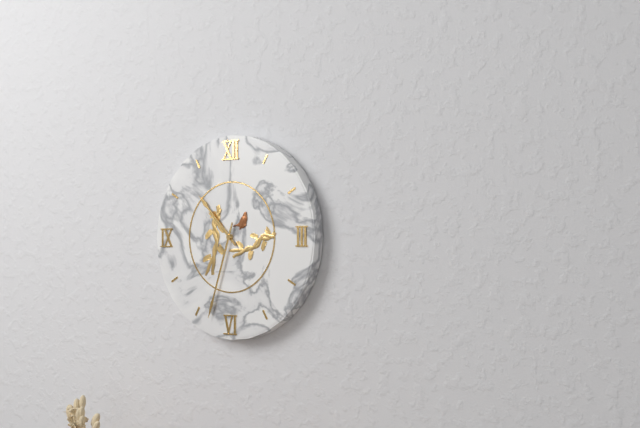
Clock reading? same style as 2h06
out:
10h33
